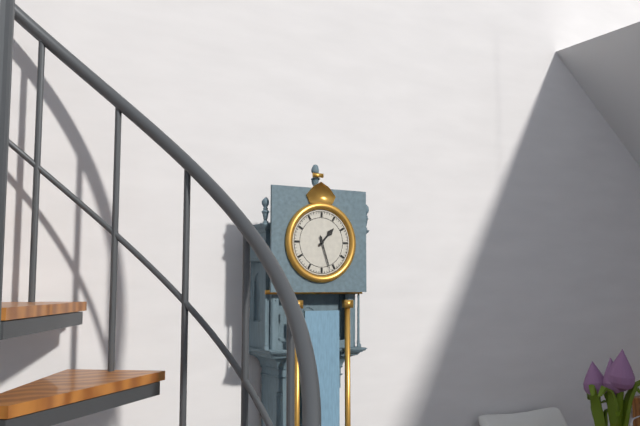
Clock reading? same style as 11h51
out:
1h27
